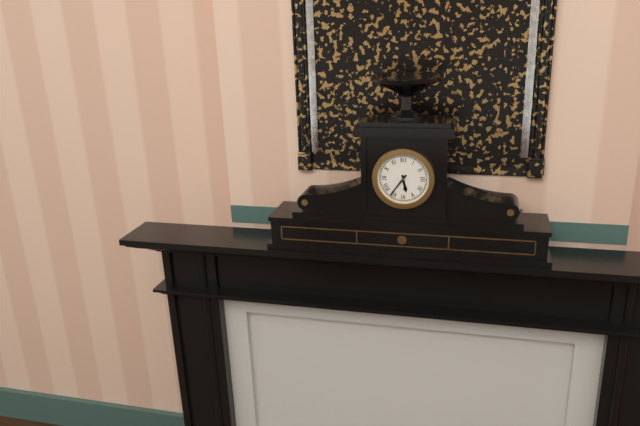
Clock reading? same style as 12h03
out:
5h36
